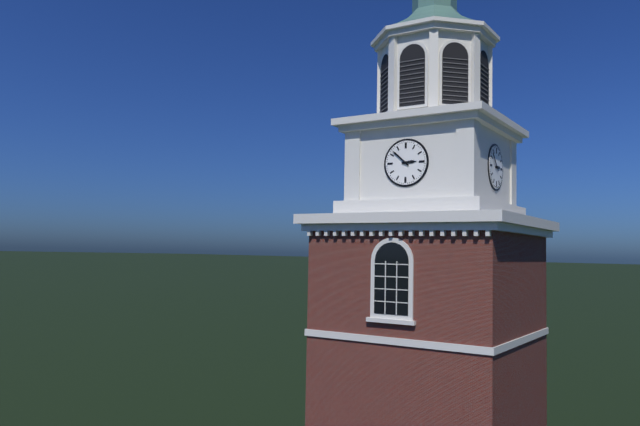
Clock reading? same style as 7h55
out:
2h52
